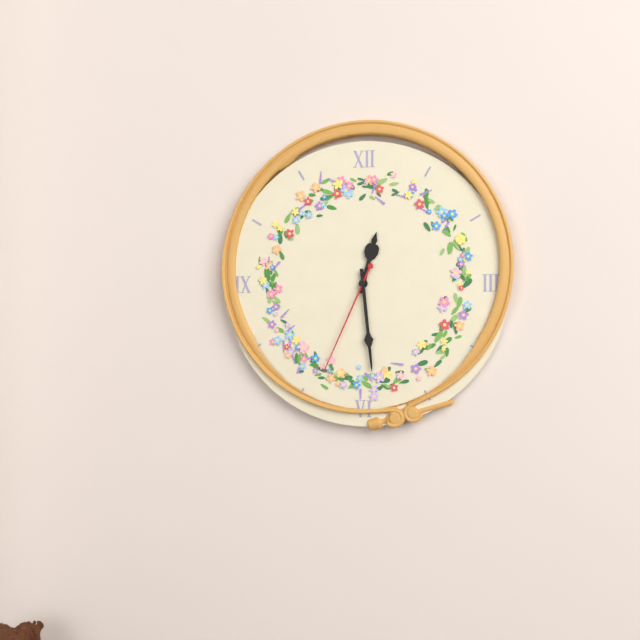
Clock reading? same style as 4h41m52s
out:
12h29m34s
